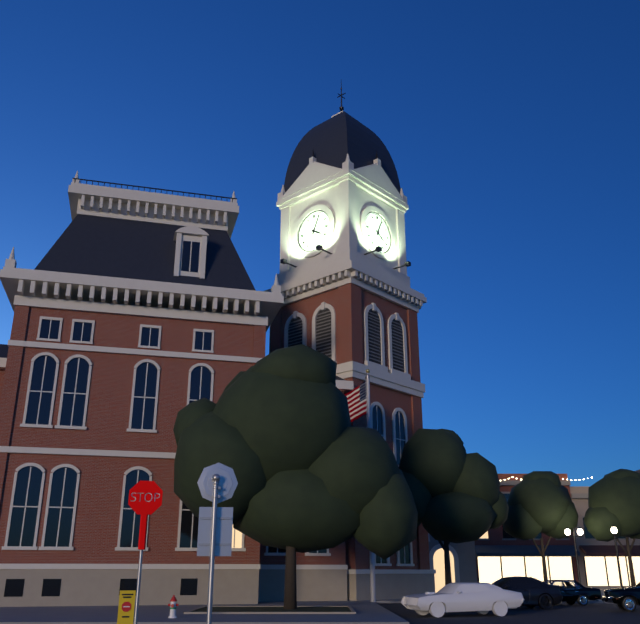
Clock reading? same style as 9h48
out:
4h04
